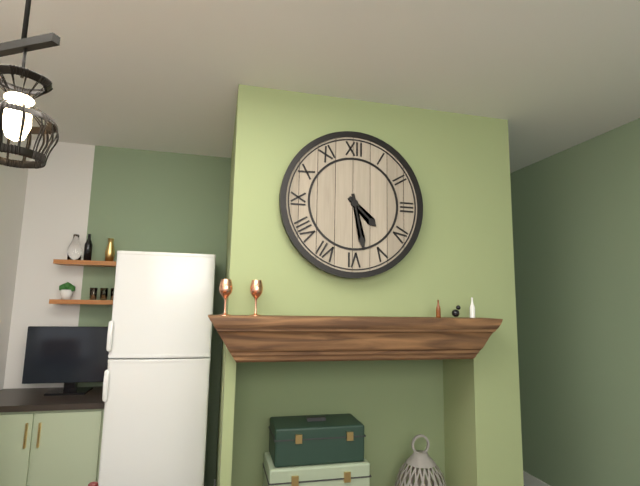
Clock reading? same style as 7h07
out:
4h28
